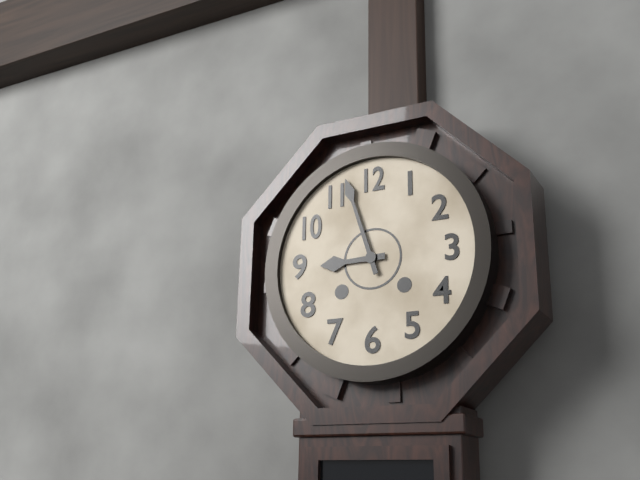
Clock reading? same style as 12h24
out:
8h57
